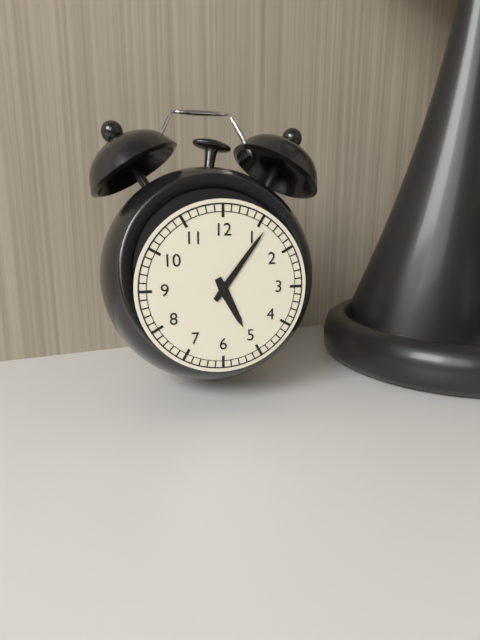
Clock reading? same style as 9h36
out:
5h06
